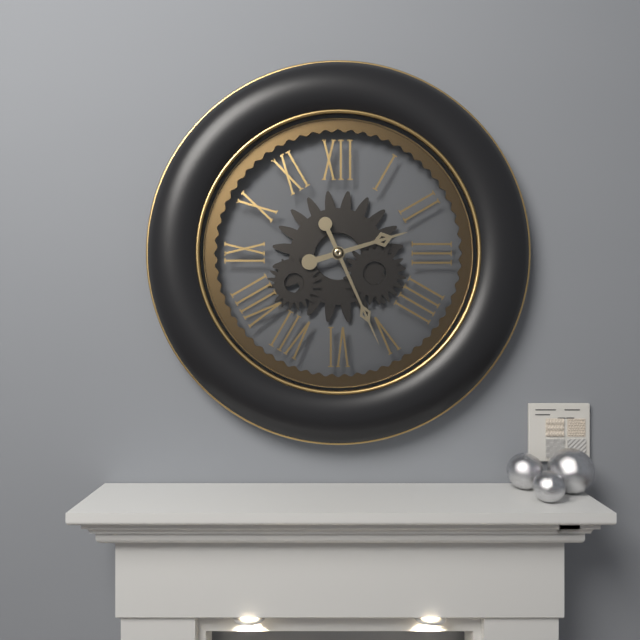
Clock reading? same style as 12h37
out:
2h26
